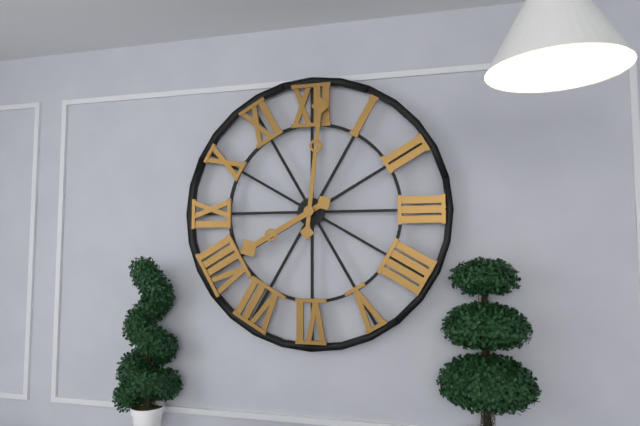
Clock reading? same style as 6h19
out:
8h01
